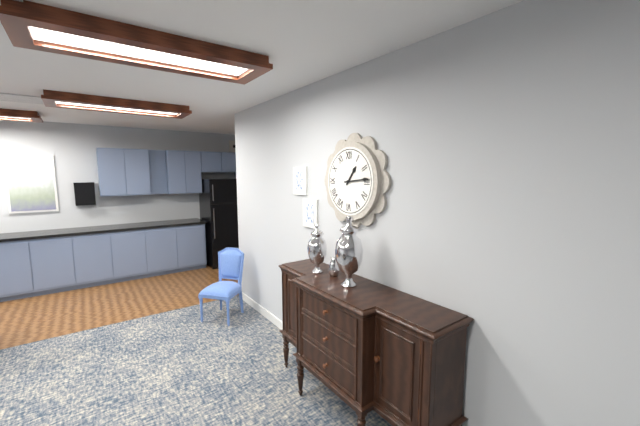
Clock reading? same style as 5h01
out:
1h14
